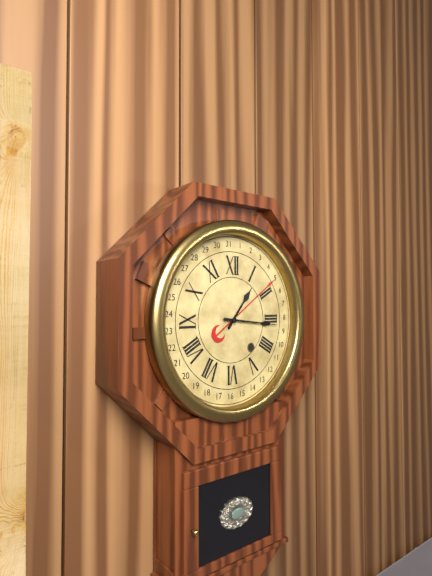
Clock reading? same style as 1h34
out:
1h16
